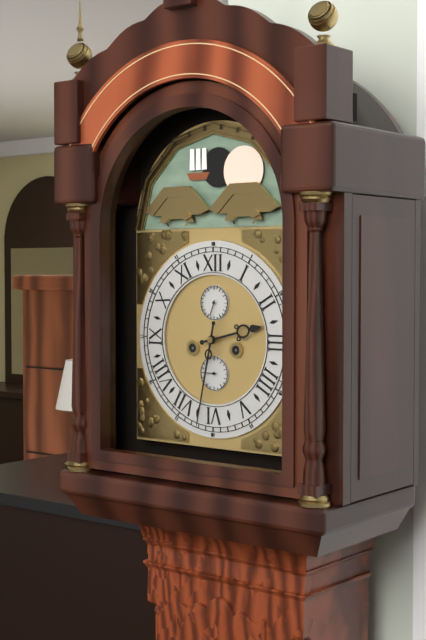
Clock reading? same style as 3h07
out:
2h32
